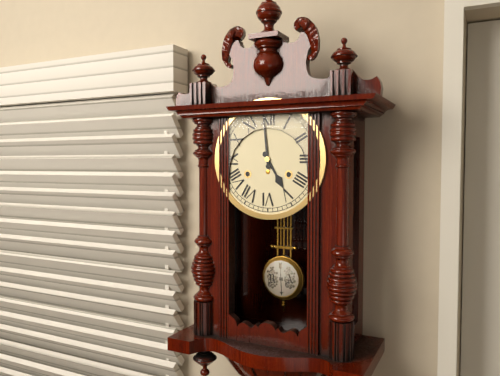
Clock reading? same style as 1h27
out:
4h59
